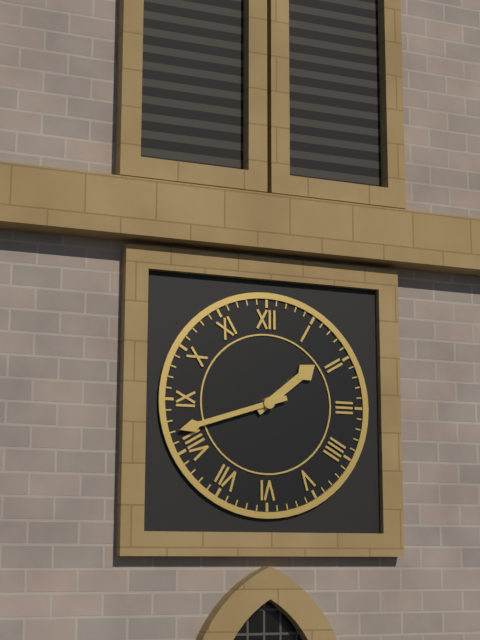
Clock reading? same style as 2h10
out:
1h42
